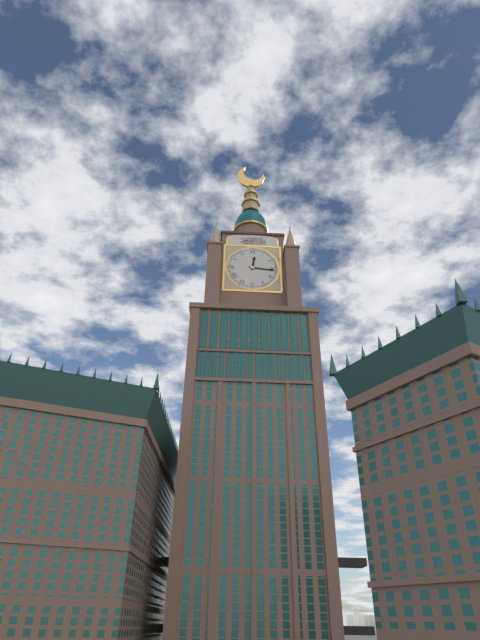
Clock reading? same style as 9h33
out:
12h16
